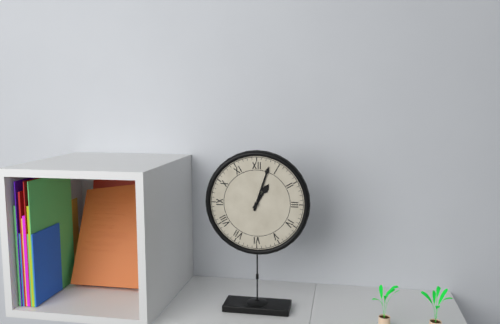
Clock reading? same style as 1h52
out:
1h03
